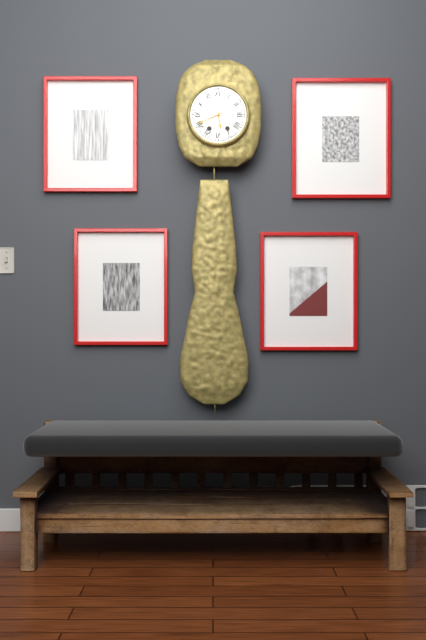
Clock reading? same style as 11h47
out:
5h41
